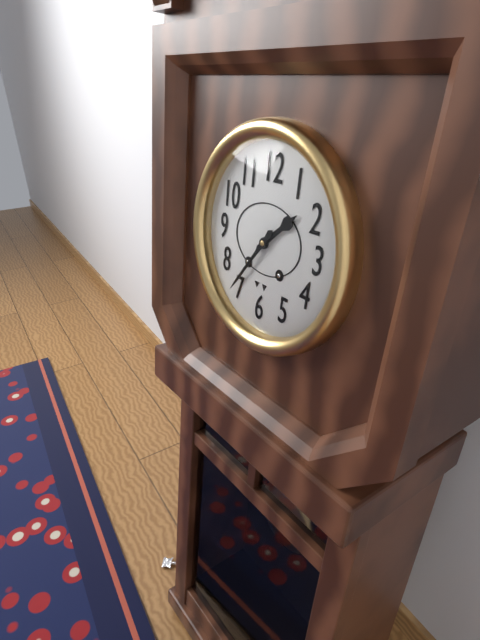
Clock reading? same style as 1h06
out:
1h36
